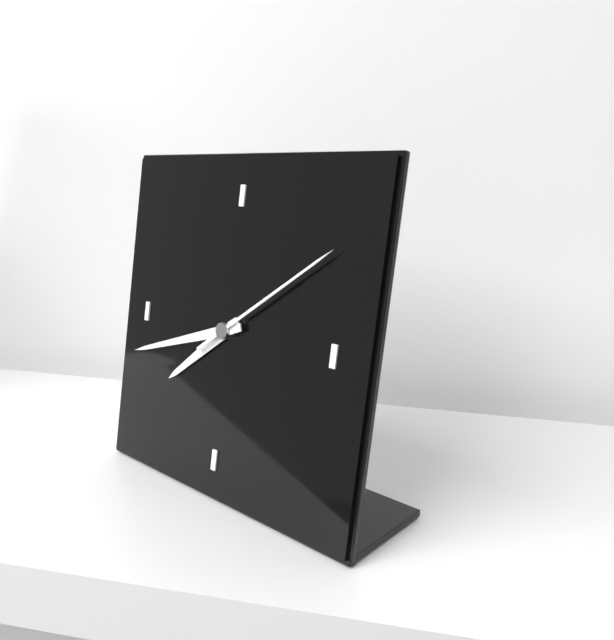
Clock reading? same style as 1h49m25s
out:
7h42m09s
